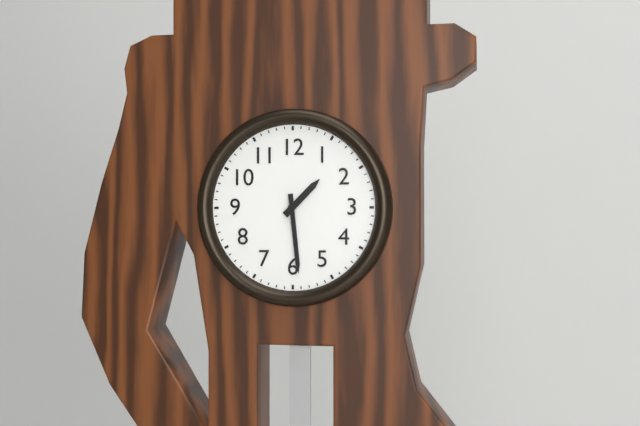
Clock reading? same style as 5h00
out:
1h29
